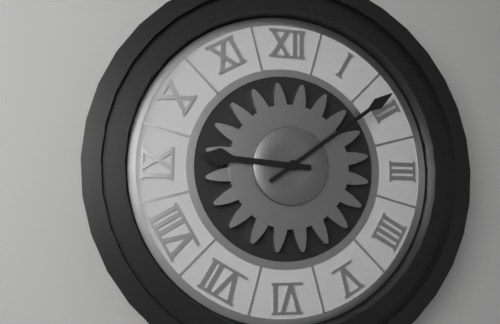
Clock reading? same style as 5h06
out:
9h09
